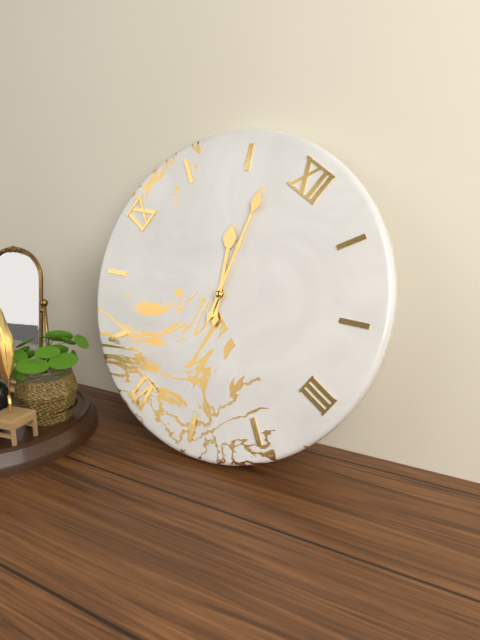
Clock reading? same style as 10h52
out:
10h57
